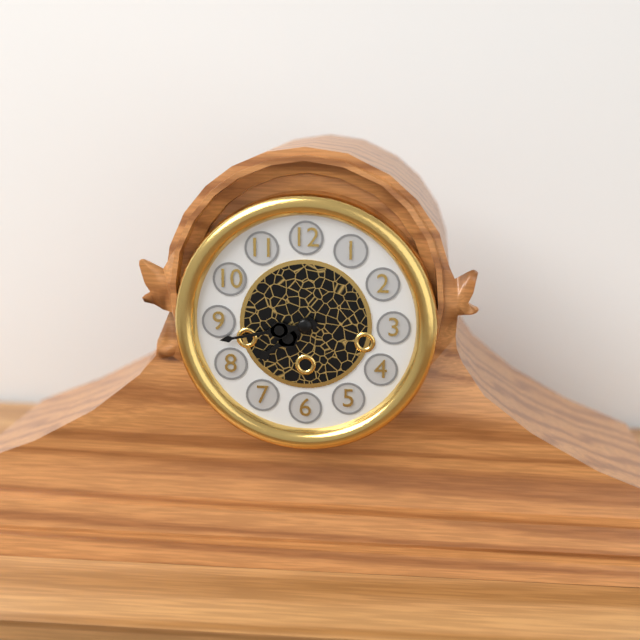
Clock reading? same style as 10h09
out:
7h43
